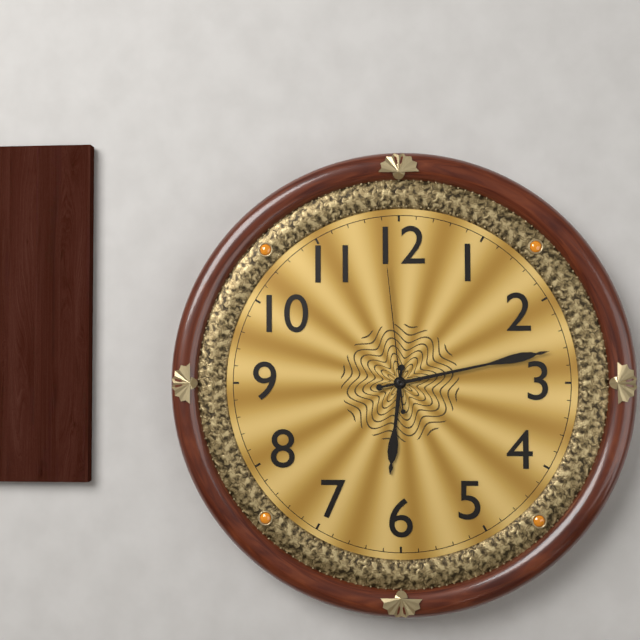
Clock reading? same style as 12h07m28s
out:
6h13m59s
